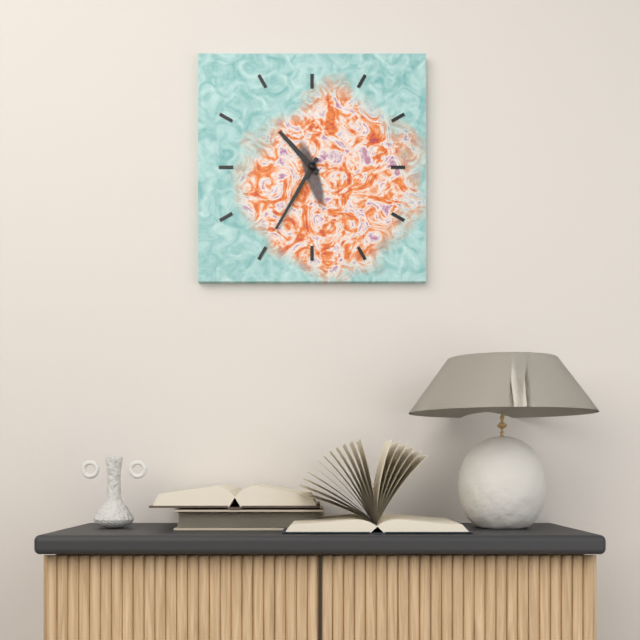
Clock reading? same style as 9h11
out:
10h35
